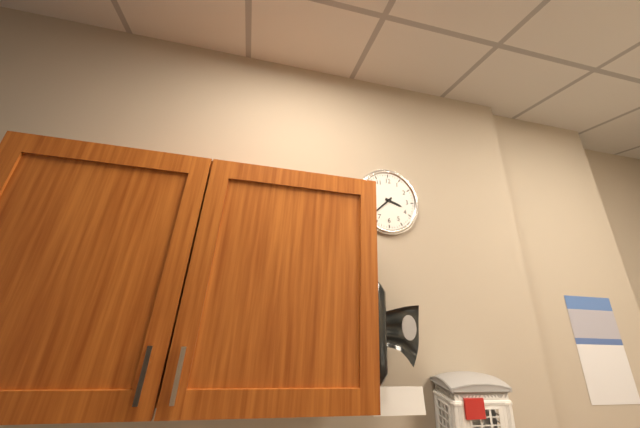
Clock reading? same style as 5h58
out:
3h38
